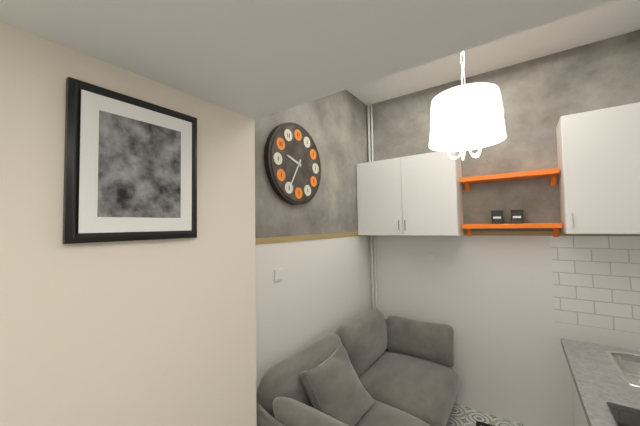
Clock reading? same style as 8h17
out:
9h35
